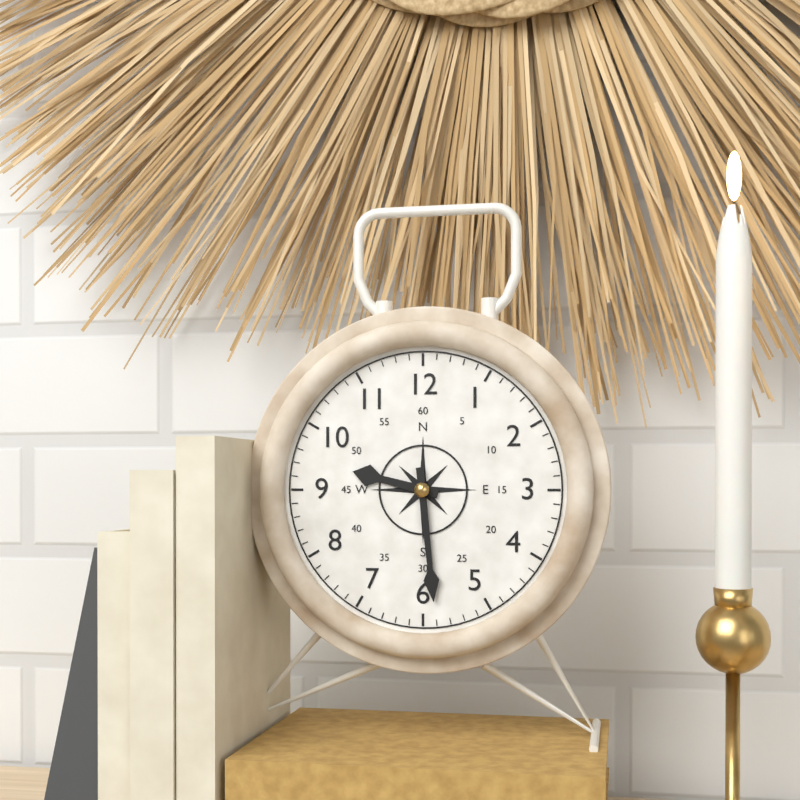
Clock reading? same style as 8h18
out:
9h29
